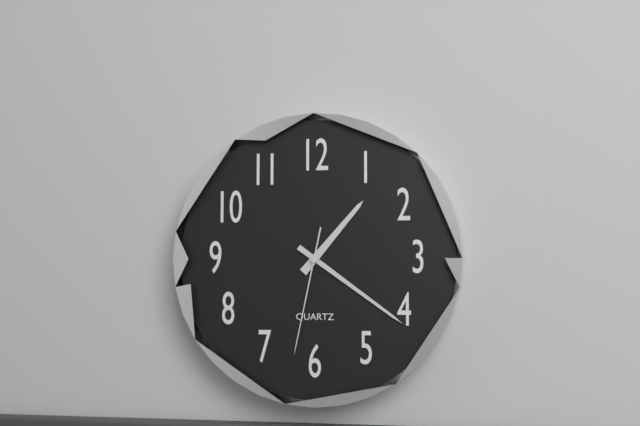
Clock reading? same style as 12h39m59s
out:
1h21m32s
